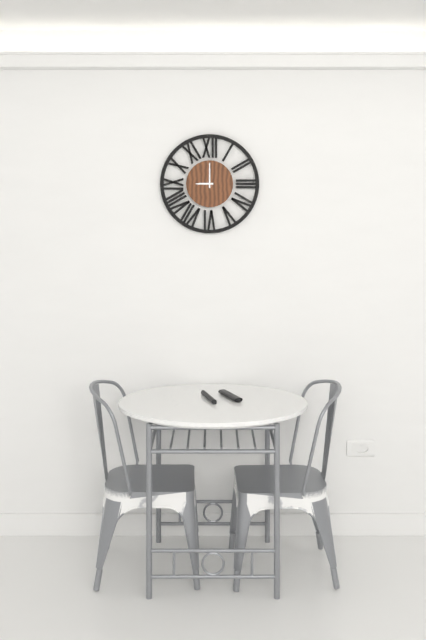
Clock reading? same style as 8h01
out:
9h00
